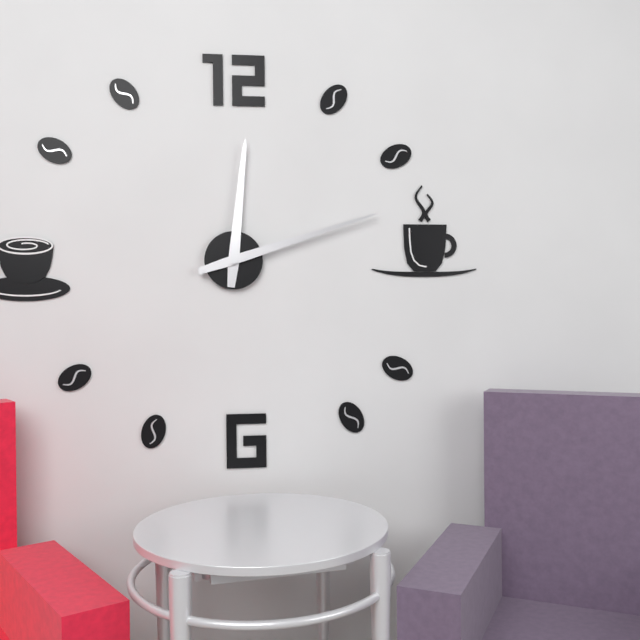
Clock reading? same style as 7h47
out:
12h12
